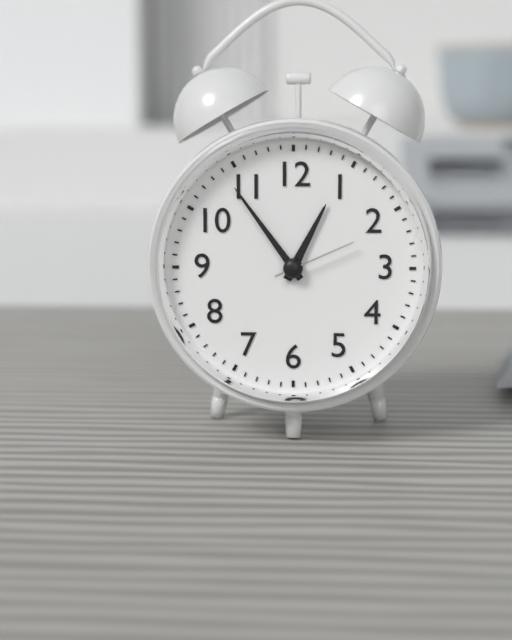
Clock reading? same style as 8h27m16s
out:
12h54m11s
